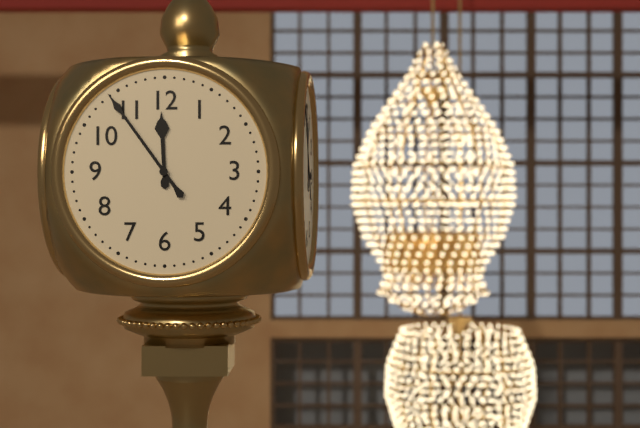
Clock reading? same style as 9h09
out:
11h54
